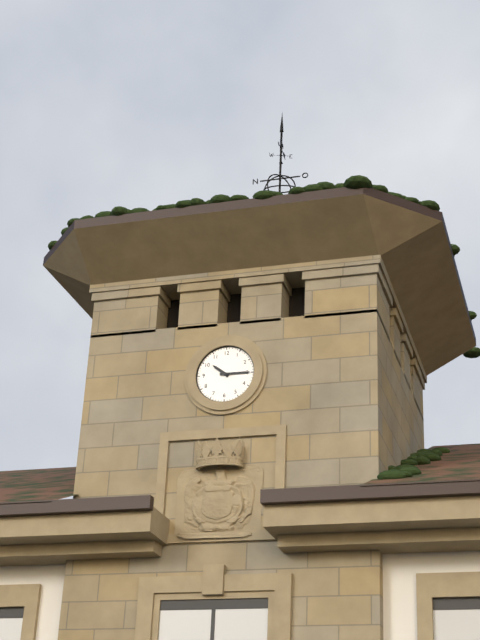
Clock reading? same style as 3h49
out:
10h15
